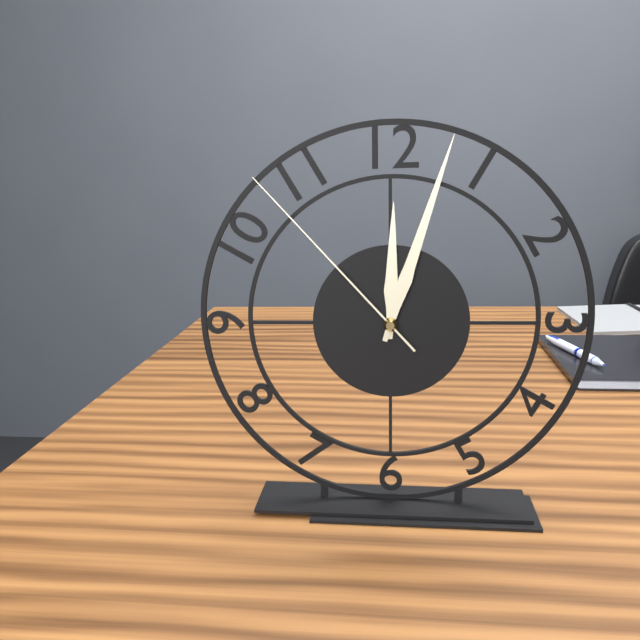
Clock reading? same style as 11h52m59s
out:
12h03m53s
